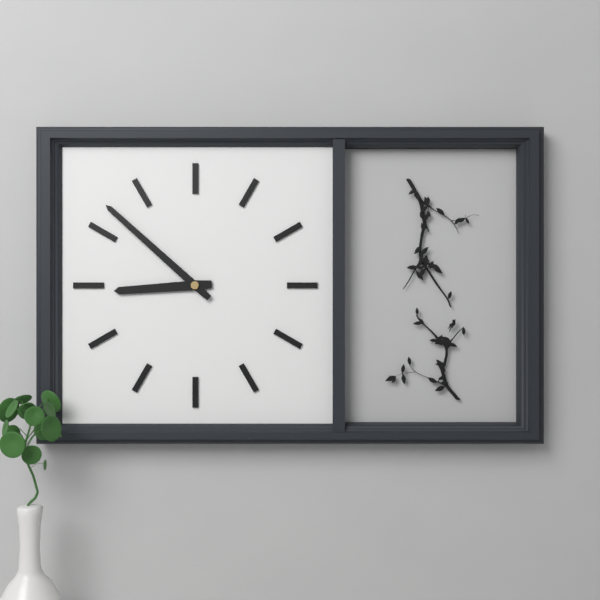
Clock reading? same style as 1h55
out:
8h52
